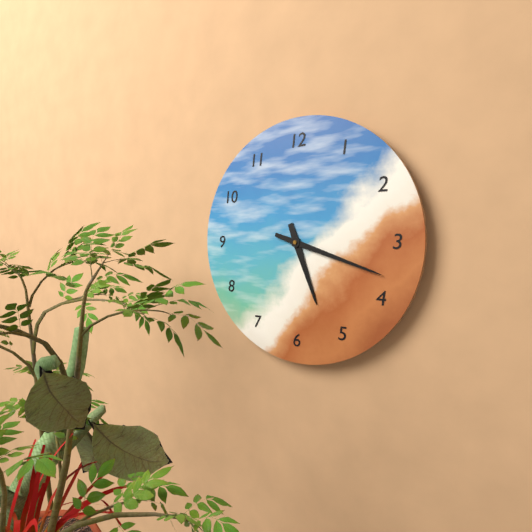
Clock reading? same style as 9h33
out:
5h18
